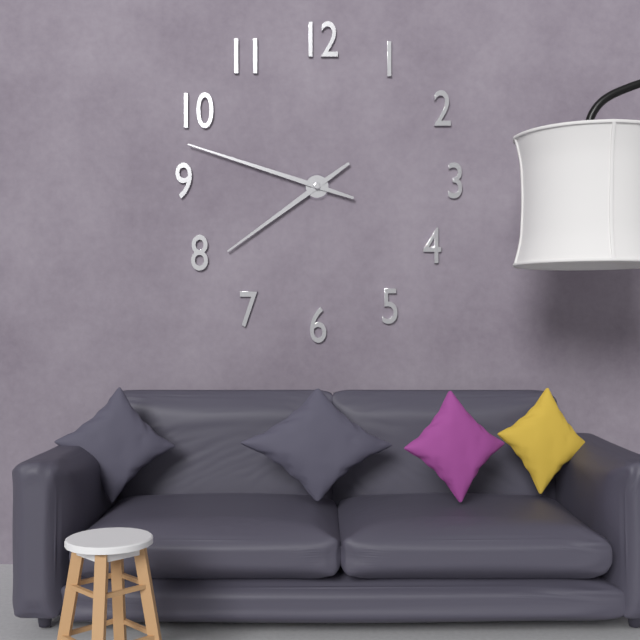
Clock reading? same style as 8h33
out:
7h48
